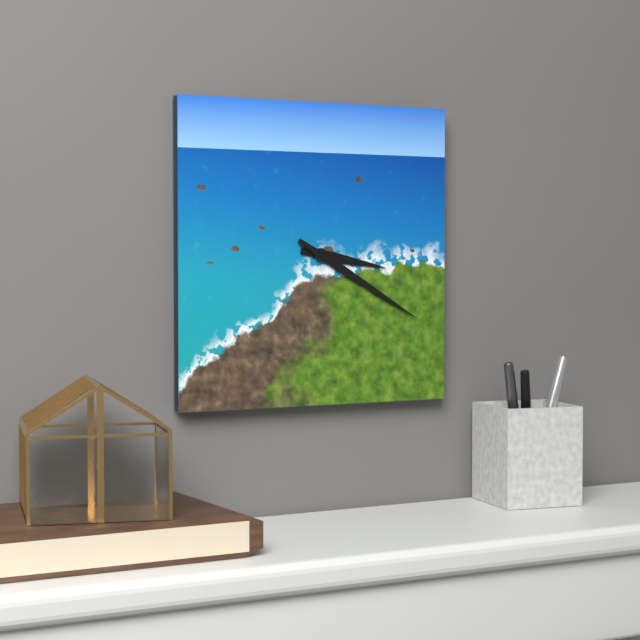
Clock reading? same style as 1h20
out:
3h20
